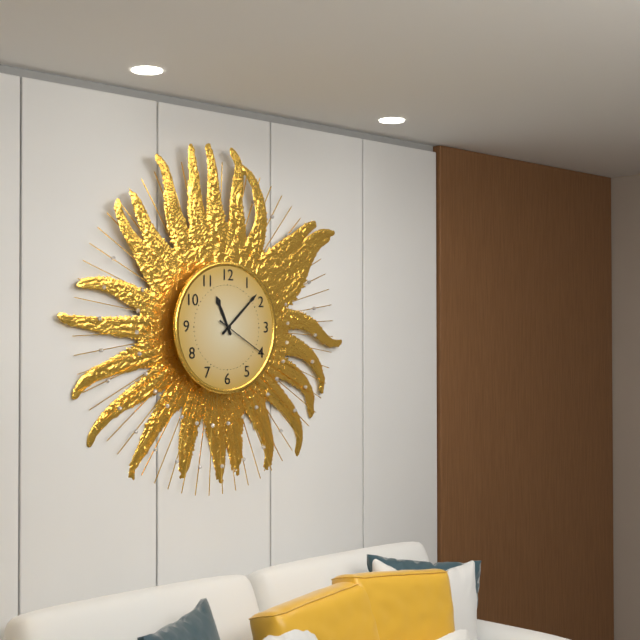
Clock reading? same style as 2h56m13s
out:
11h08m20s
